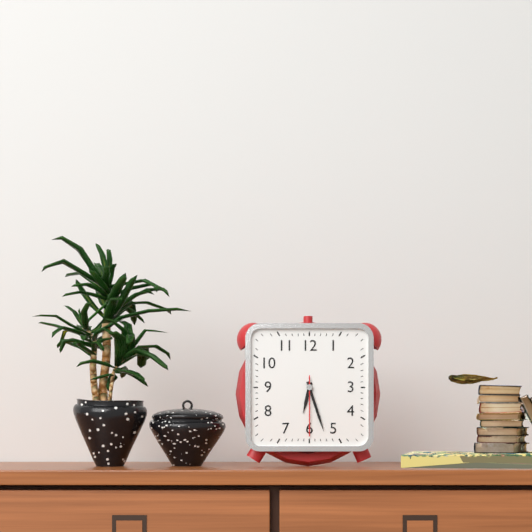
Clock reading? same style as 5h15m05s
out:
6h27m30s
